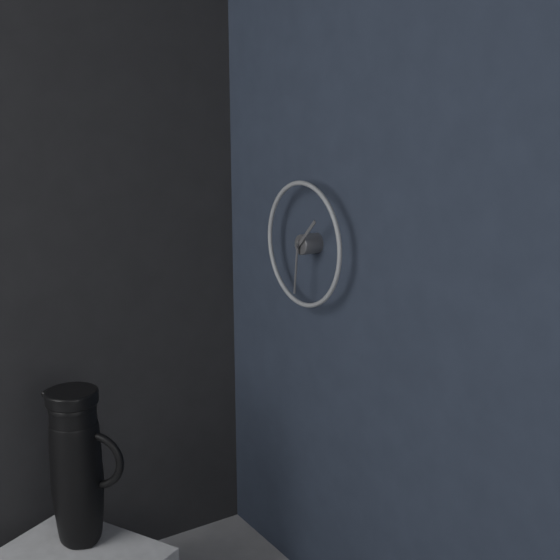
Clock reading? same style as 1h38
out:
1h31
